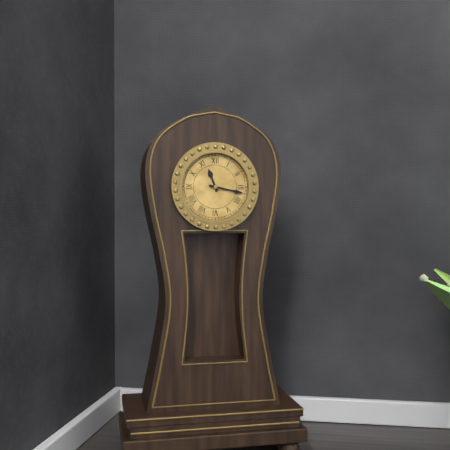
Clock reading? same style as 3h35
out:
11h17
